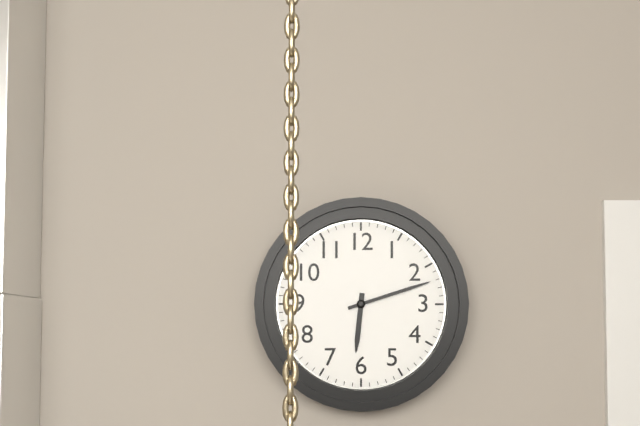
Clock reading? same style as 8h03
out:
6h12
